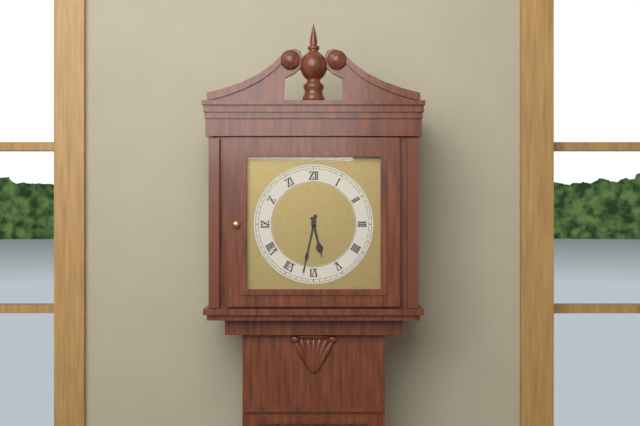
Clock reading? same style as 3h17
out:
5h32
